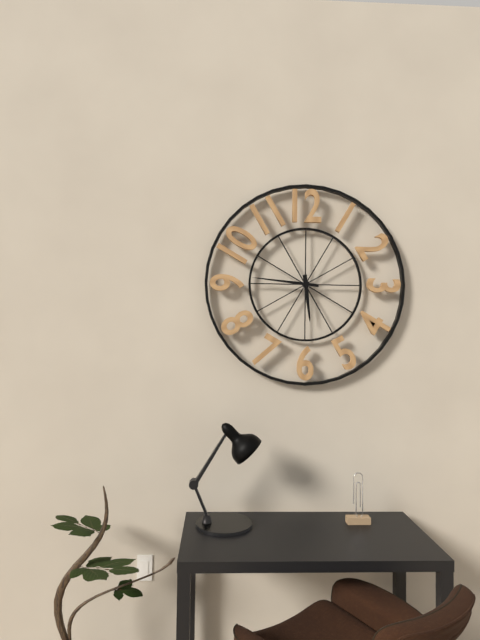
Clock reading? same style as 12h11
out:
5h46
